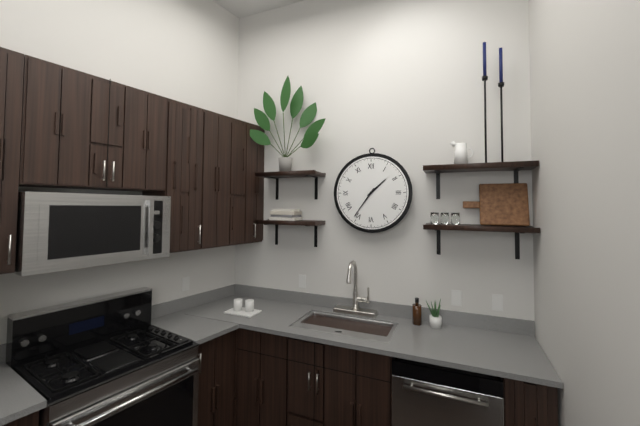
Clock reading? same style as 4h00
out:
1h36
